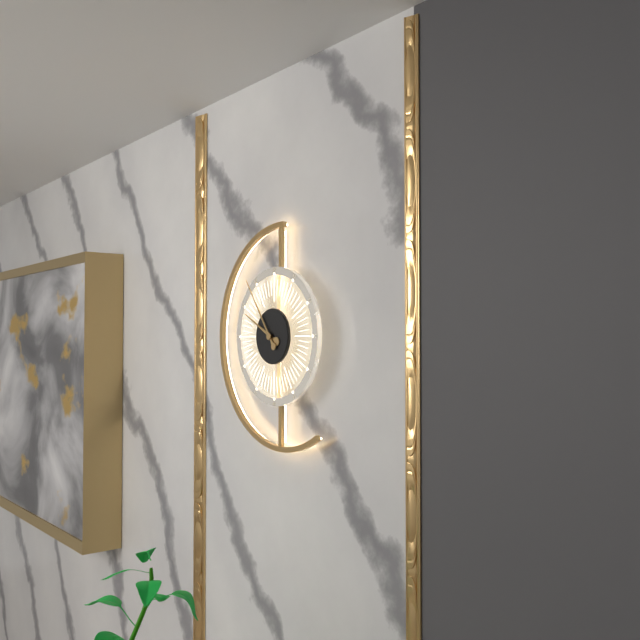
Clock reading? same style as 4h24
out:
9h54
